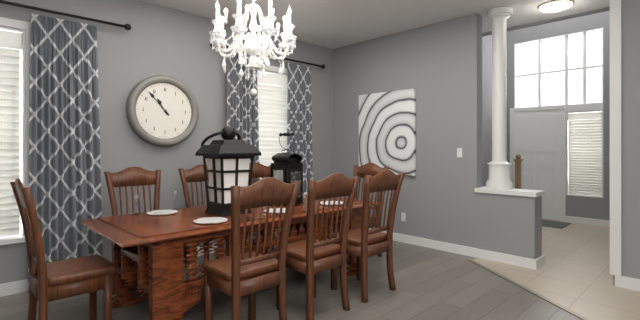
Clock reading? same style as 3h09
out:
10h53
